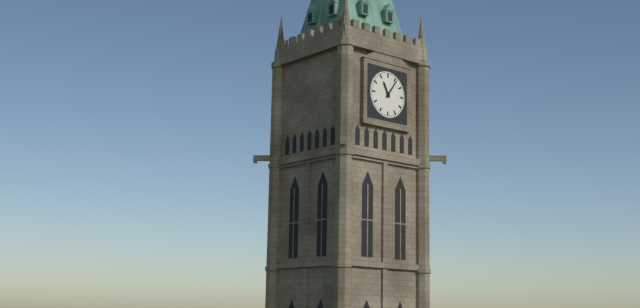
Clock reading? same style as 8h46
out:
11h06
